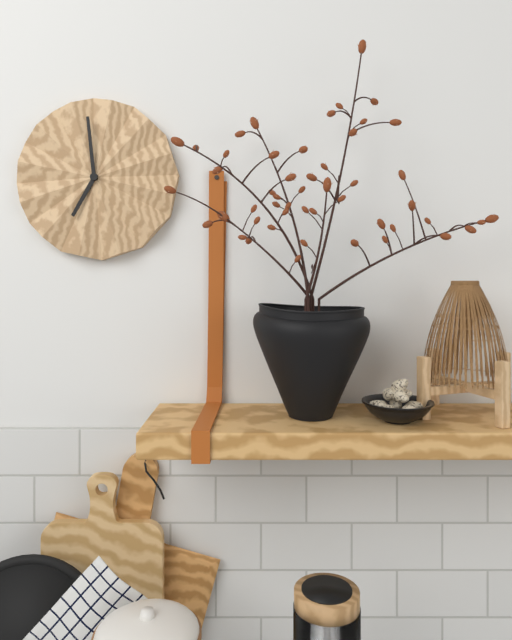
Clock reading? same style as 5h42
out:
6h59
